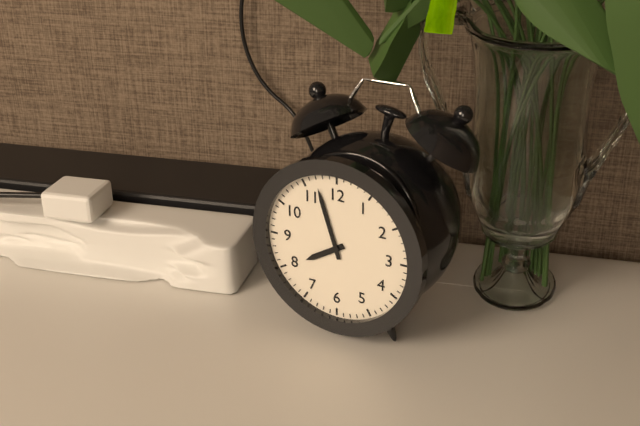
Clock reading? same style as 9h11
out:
7h57
